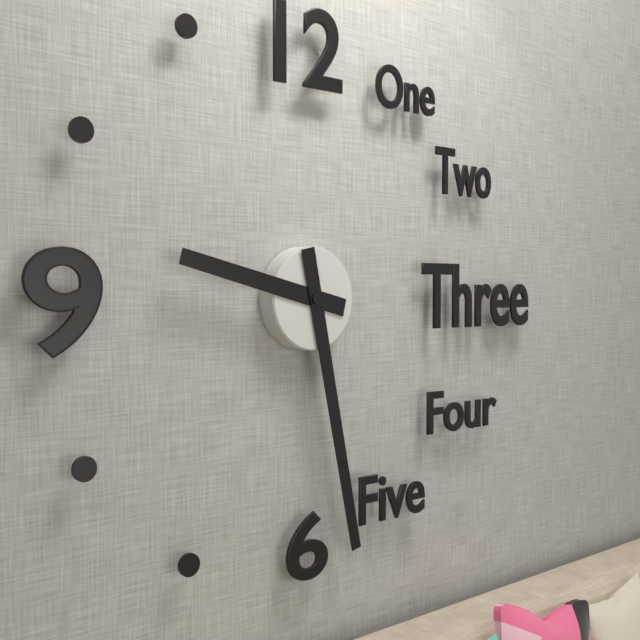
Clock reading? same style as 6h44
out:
9h28
